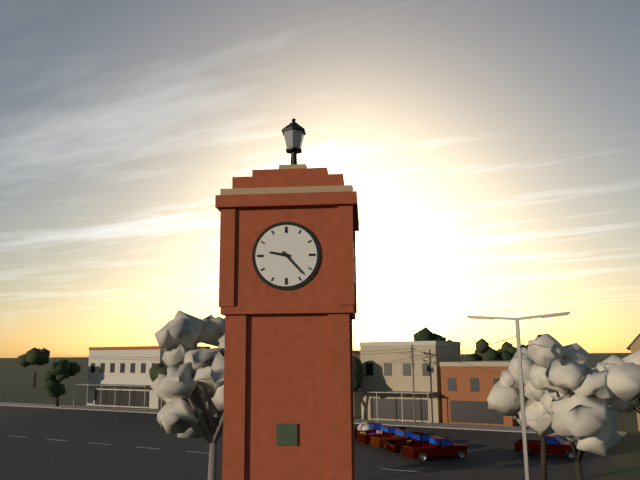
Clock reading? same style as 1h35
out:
9h23
